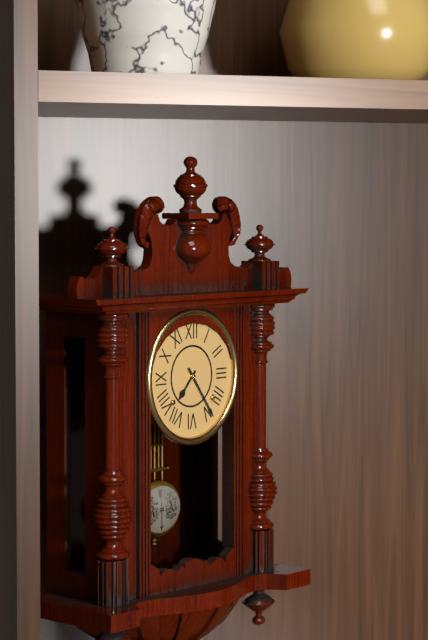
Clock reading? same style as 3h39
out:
7h24
